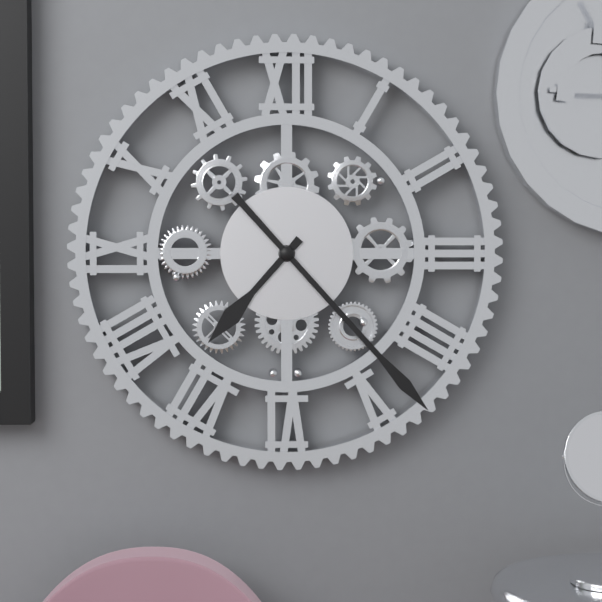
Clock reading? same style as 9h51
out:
7h23
